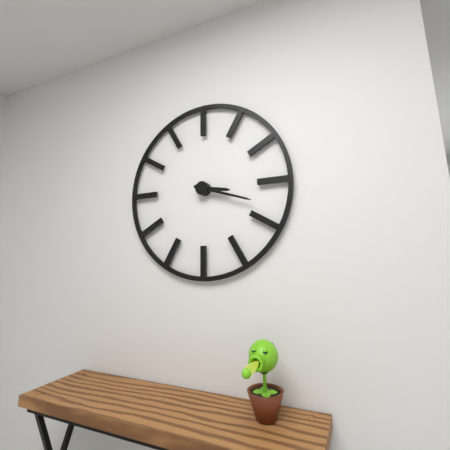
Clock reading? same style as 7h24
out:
3h18
